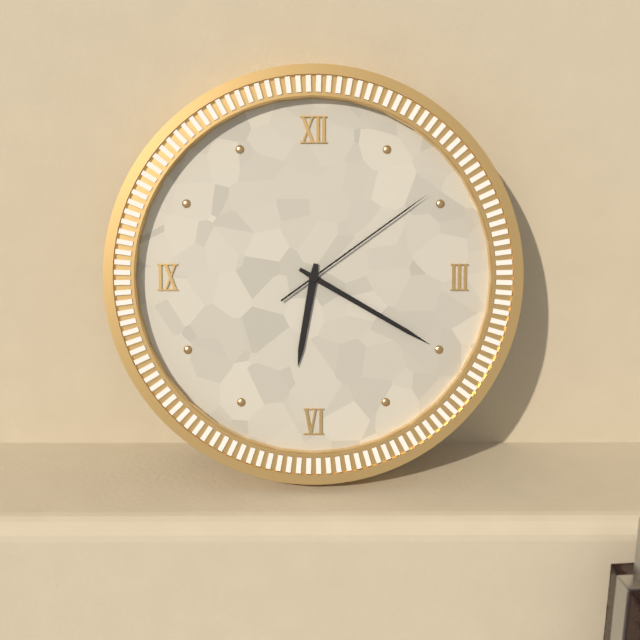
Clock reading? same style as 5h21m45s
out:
6h20m09s
